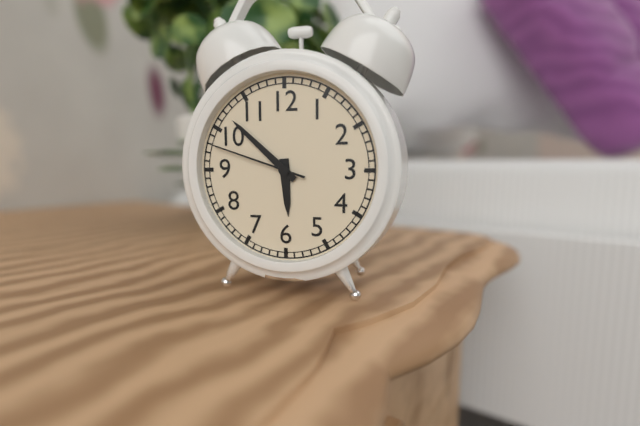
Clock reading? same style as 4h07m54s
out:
5h52m48s
